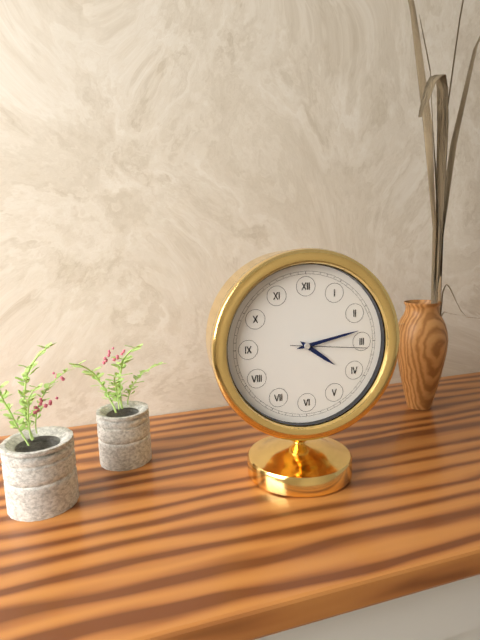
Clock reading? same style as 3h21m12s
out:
4h13m16s
